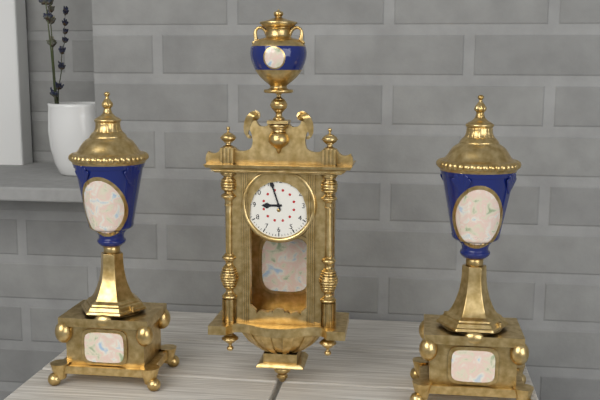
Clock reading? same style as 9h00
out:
8h57
